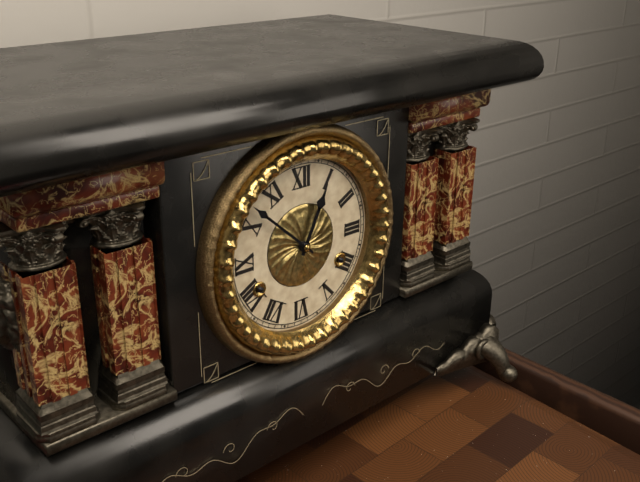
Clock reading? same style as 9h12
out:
12h52
